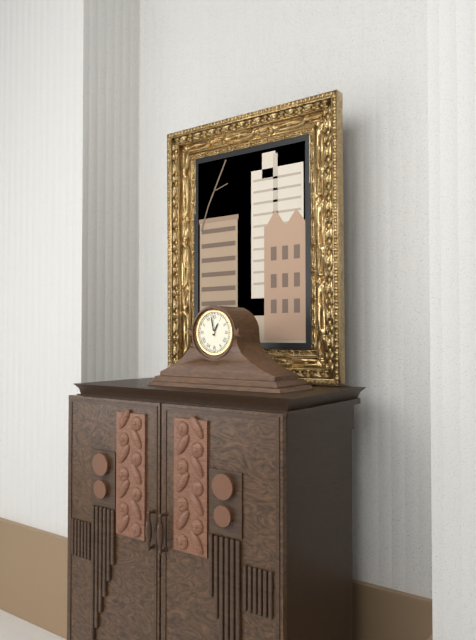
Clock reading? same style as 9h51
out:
12h58
